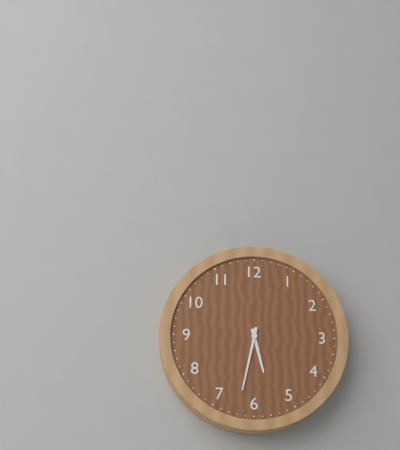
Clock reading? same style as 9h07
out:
5h32
